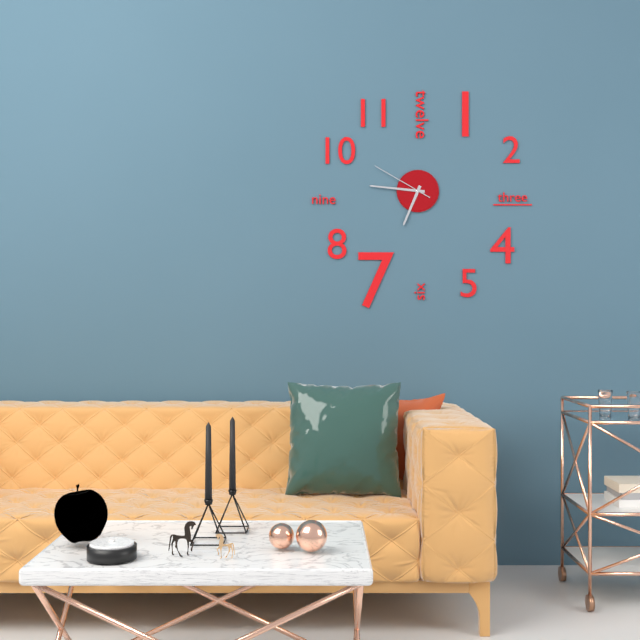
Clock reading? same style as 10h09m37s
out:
6h46m50s
